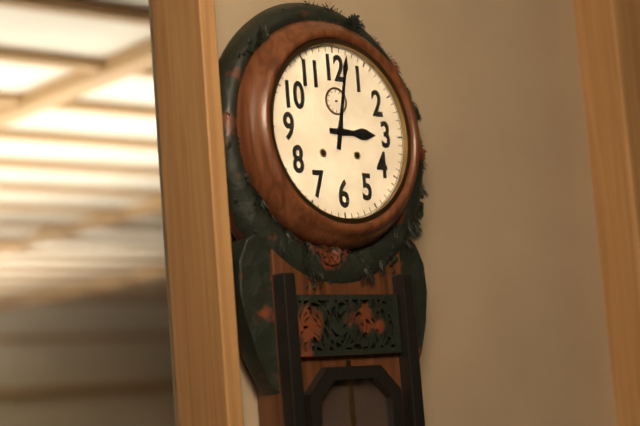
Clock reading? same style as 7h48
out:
3h02
